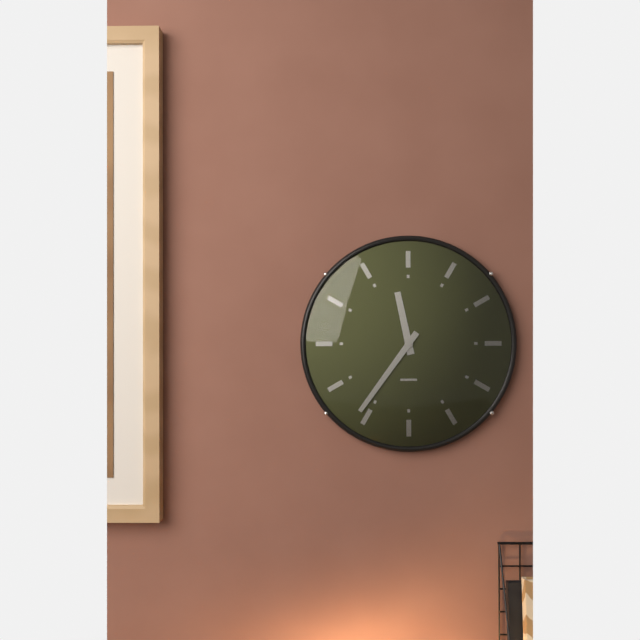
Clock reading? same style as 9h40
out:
11h36
